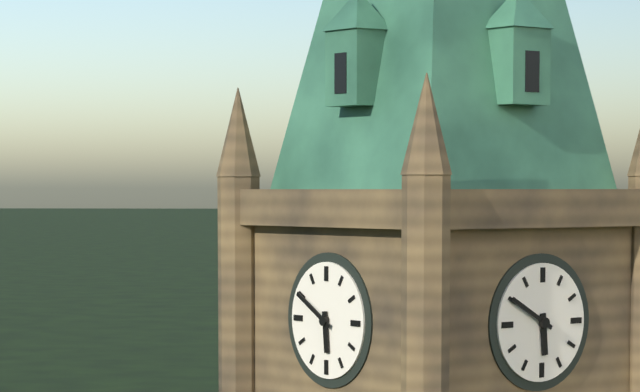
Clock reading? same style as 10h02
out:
5h50
